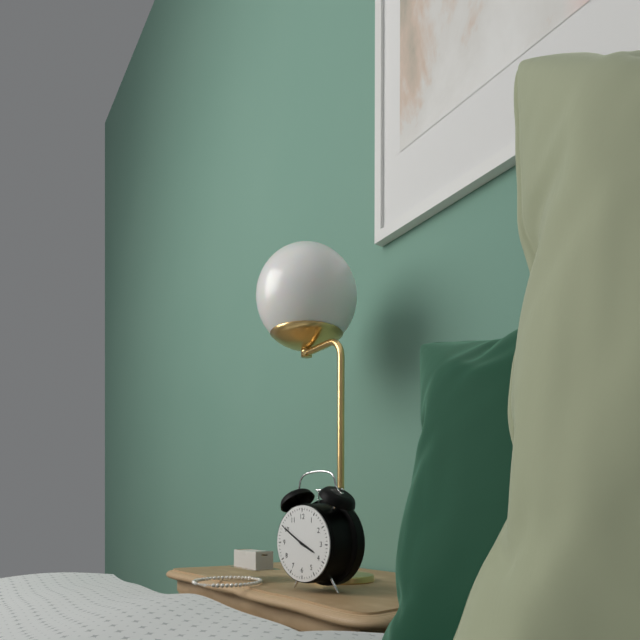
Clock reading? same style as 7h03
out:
3h50
